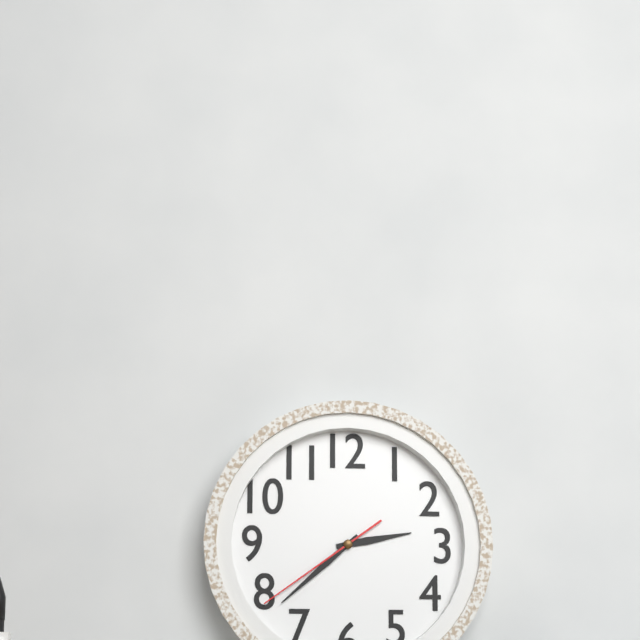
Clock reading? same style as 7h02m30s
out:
2h38m39s
